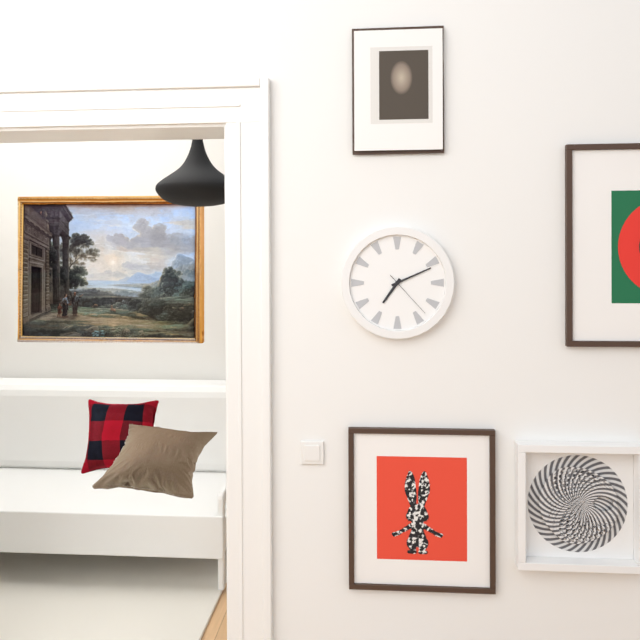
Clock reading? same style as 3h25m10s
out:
7h11m23s
